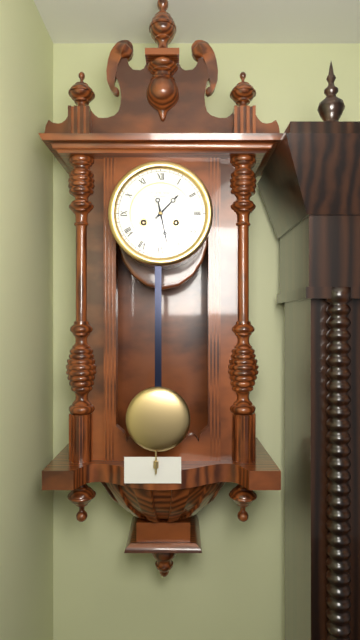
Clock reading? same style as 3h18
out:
1h28
